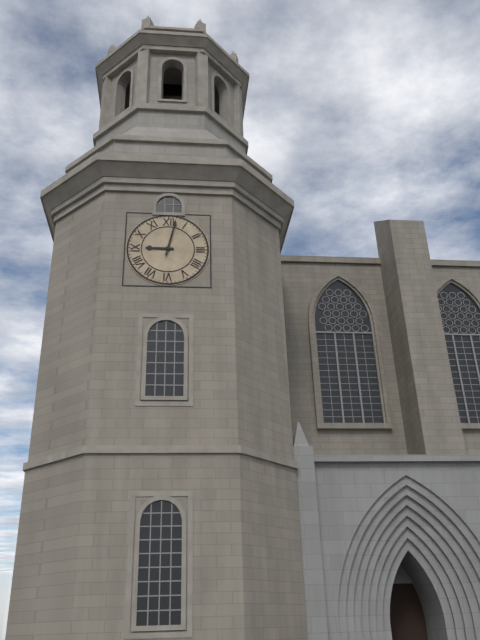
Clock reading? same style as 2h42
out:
9h02
